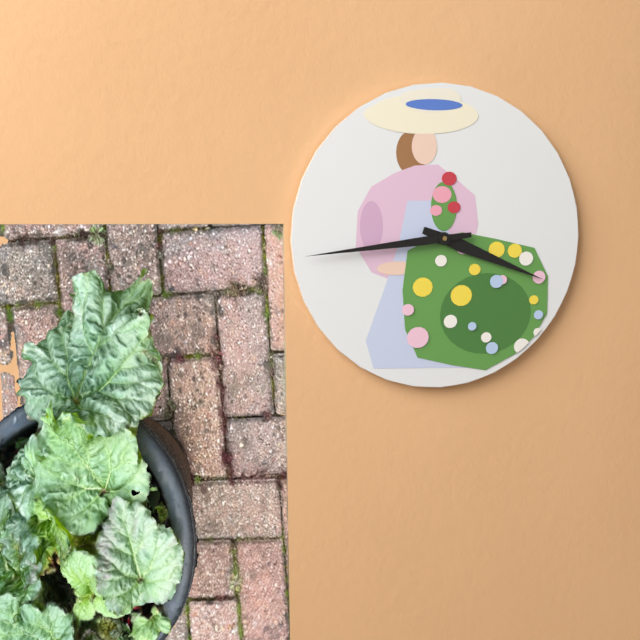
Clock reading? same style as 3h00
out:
3h44
